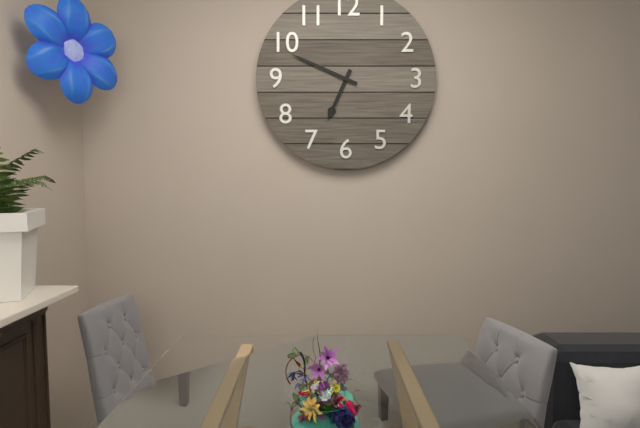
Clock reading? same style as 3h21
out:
6h49
